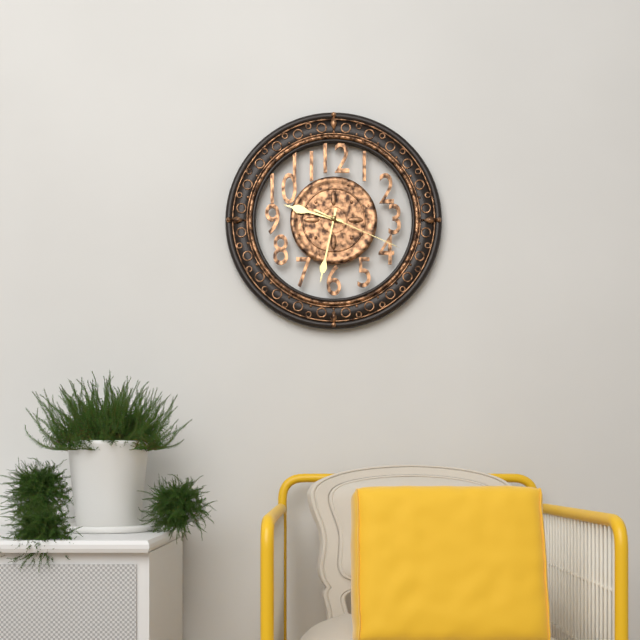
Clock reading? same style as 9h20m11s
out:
9h32m19s
